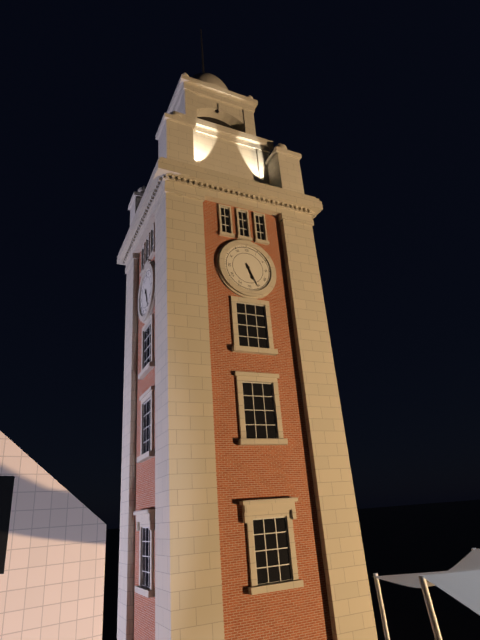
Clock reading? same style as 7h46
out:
5h26
